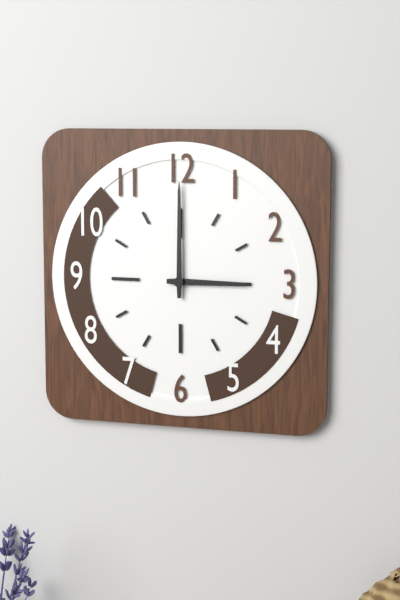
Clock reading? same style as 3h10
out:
3h00
